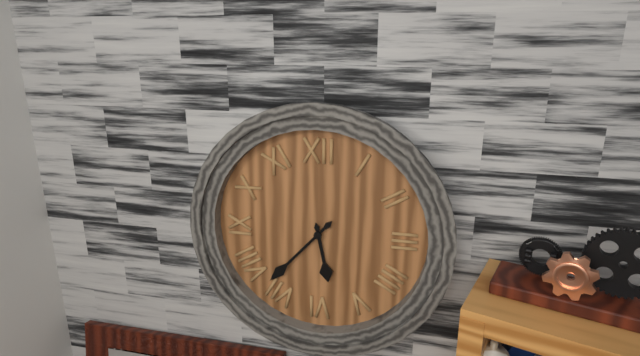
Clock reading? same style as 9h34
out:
5h37
